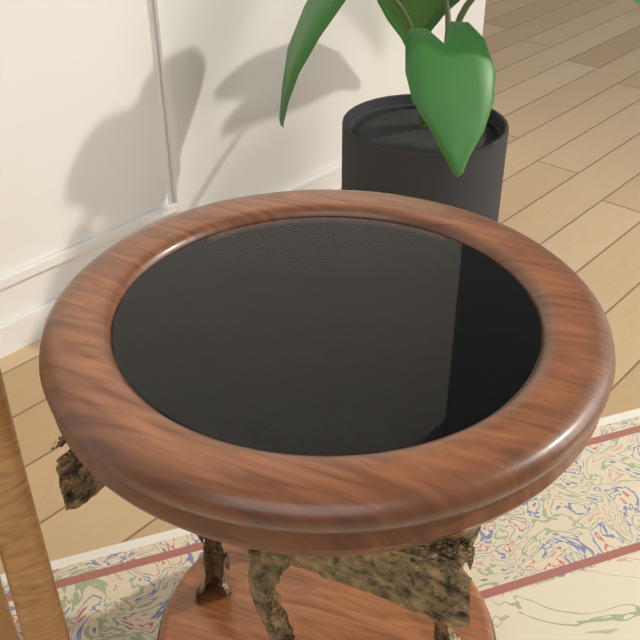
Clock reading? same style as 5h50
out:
4h40
